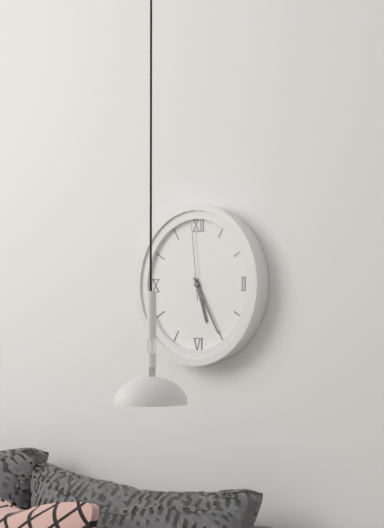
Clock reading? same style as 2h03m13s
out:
5h25m59s
